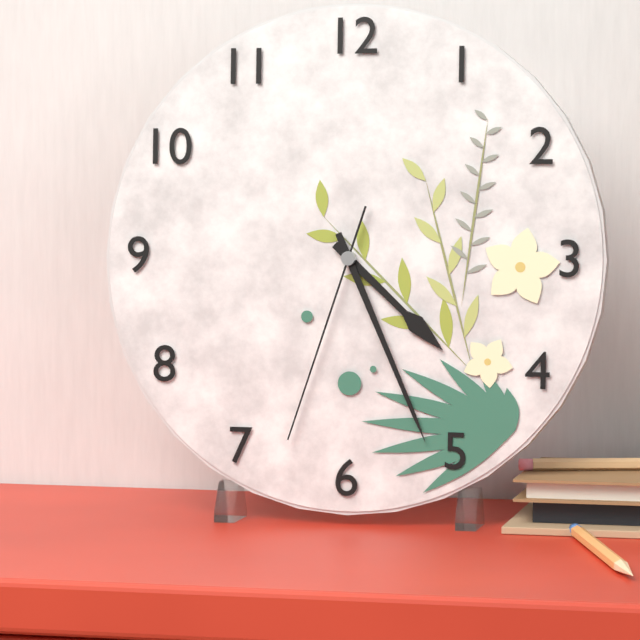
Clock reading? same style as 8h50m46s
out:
4h26m33s
